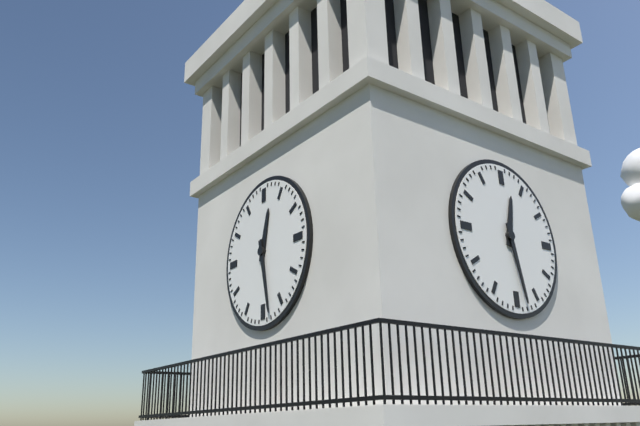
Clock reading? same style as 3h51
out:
12h28
